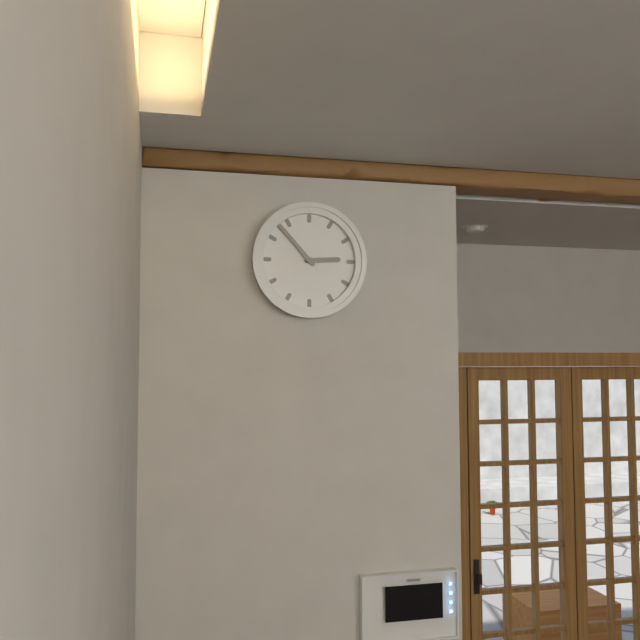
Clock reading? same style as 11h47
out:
2h53
